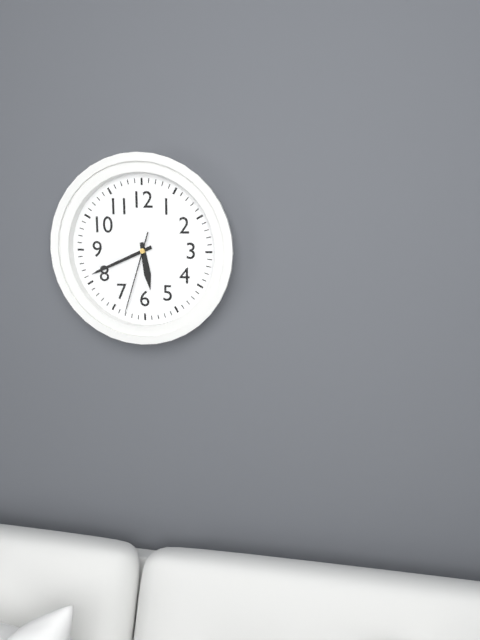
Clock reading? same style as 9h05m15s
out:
5h41m33s
